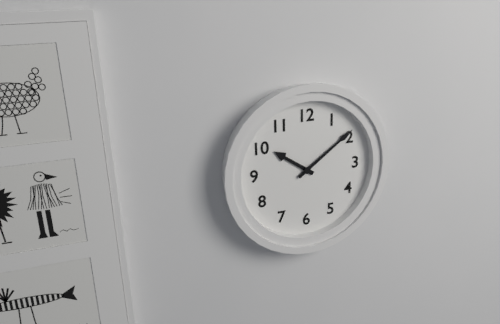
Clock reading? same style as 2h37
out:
10h09
